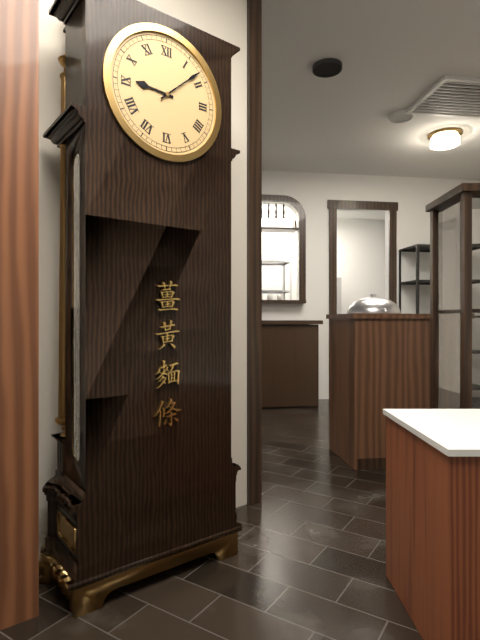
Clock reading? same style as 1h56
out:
9h08
